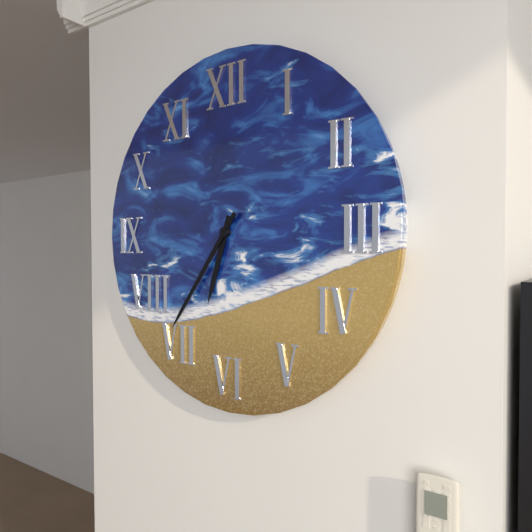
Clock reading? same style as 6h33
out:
6h36
